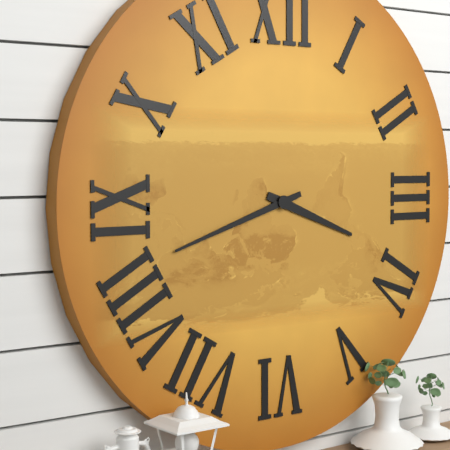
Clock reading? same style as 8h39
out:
3h42
